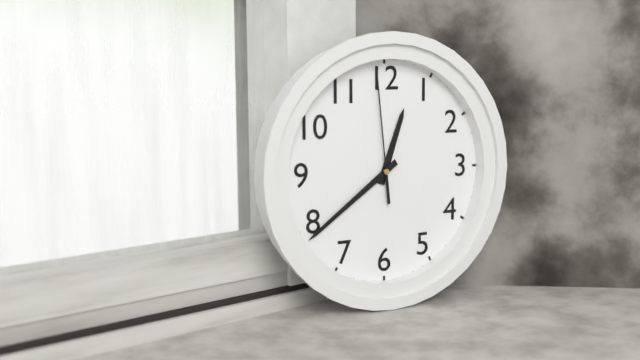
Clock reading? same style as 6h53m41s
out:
12h39m59s
